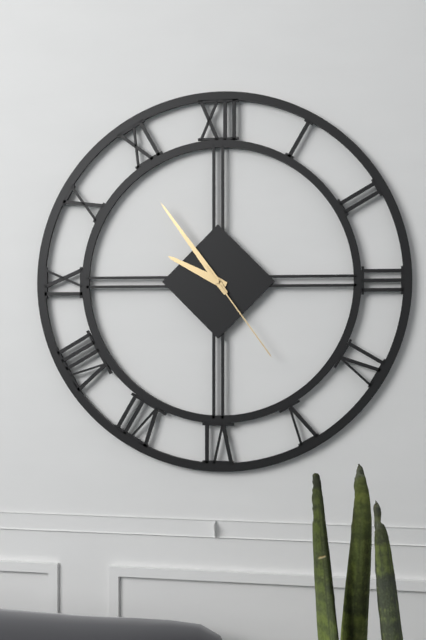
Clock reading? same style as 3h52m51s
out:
9h54m24s
